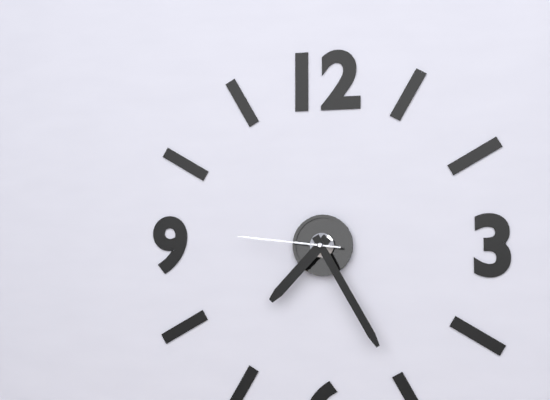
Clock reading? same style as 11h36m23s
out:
7h25m46s
